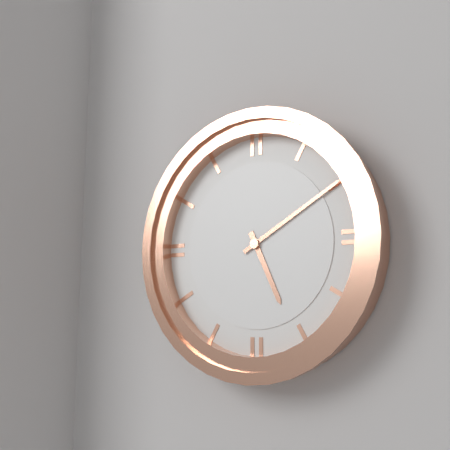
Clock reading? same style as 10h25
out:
5h10
